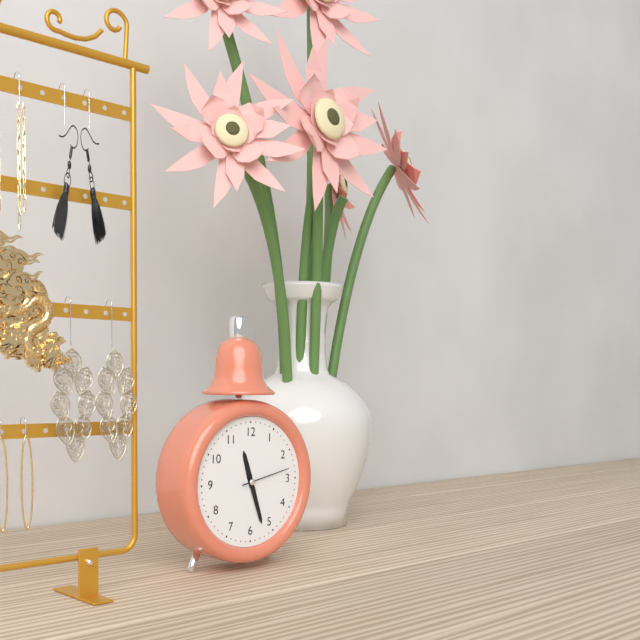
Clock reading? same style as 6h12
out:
11h27
